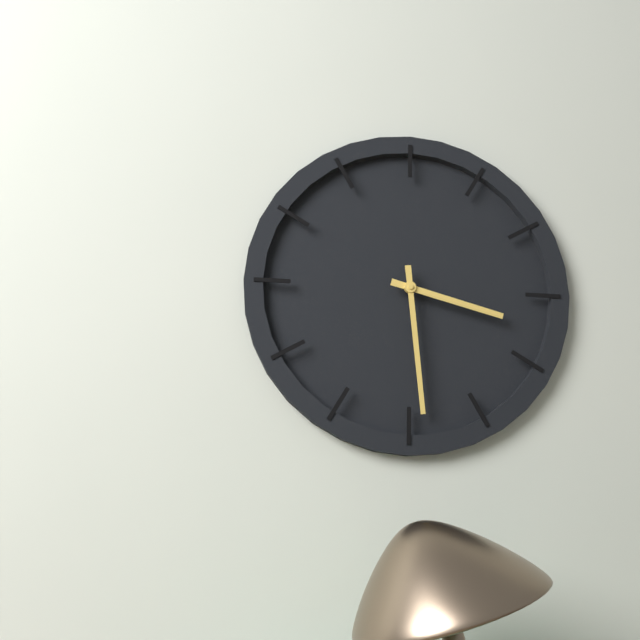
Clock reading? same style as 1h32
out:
3h29
